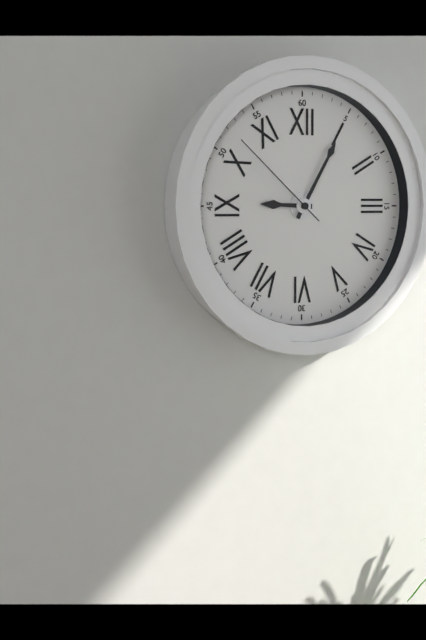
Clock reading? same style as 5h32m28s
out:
9h05m52s
